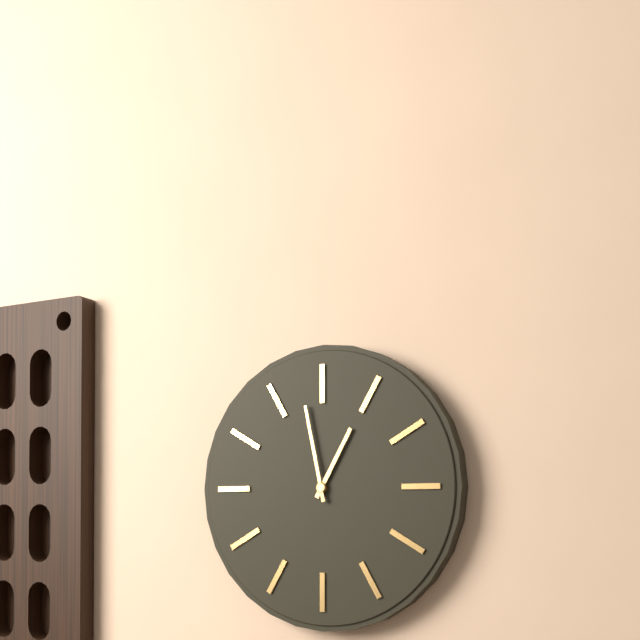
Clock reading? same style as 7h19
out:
12h58
